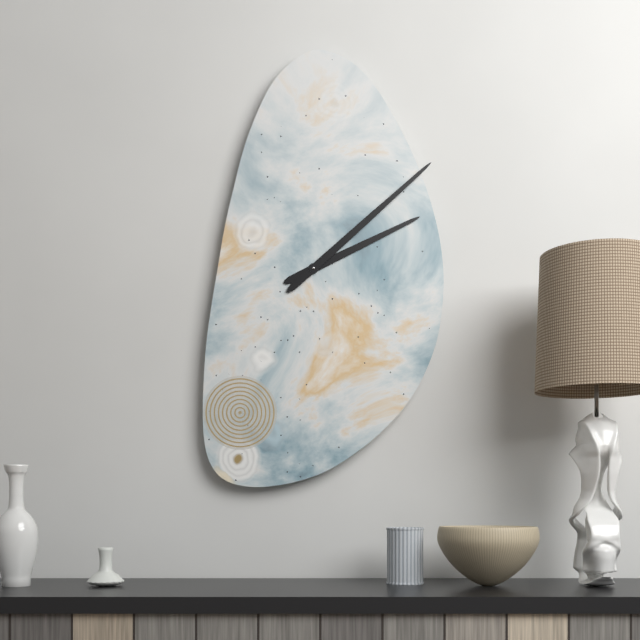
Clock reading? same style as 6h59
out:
2h08
